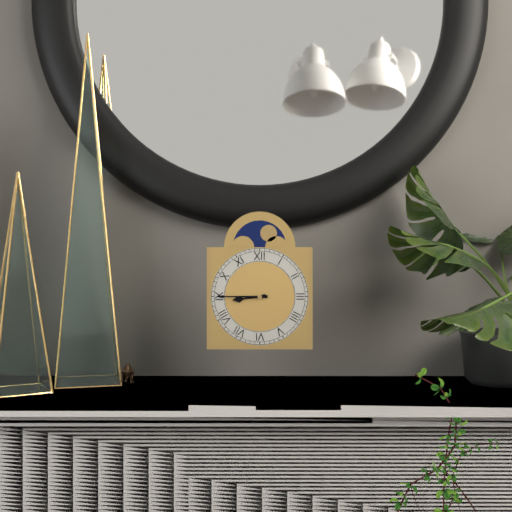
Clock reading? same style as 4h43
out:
8h45
